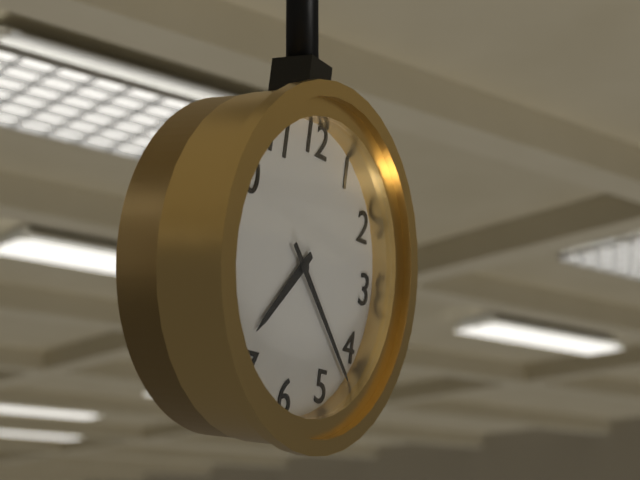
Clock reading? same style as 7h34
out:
7h22
